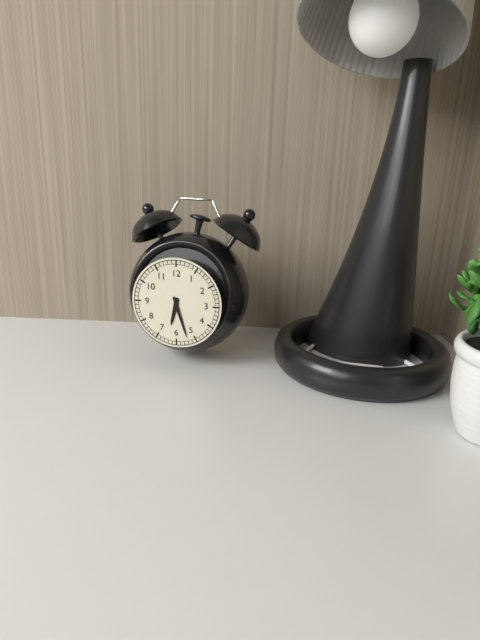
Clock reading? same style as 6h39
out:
6h27
